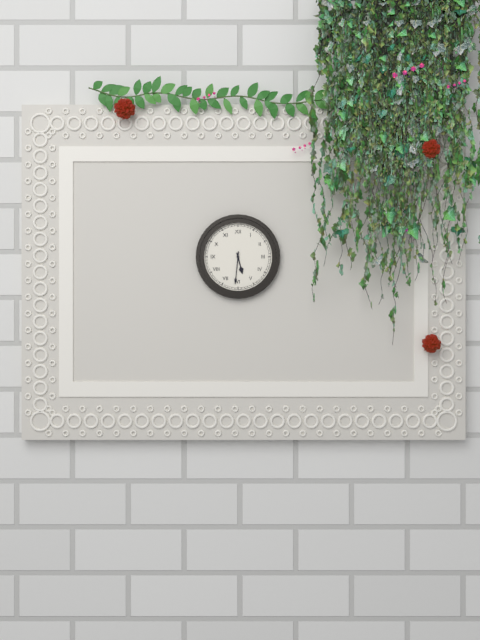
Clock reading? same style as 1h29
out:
5h31
